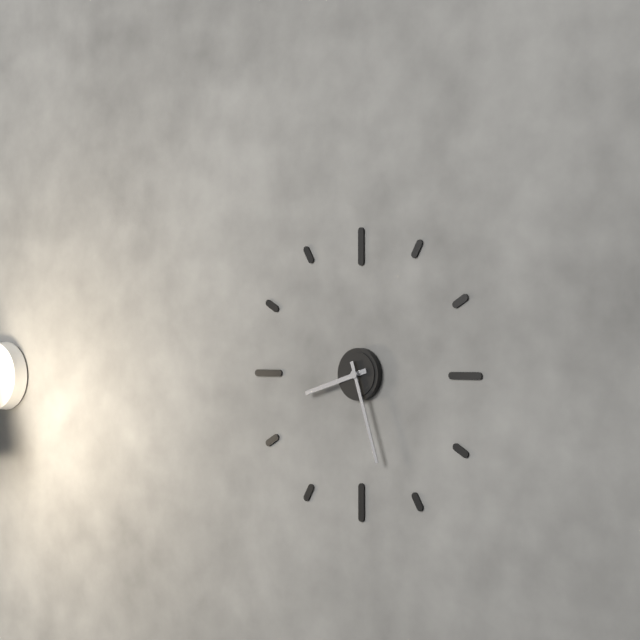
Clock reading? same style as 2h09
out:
8h27
